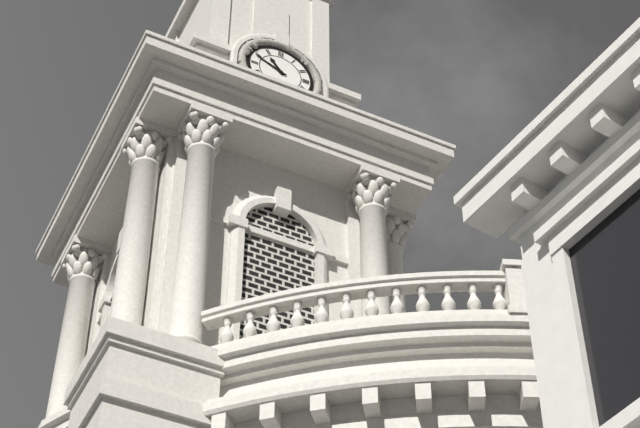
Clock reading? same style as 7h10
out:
10h49
